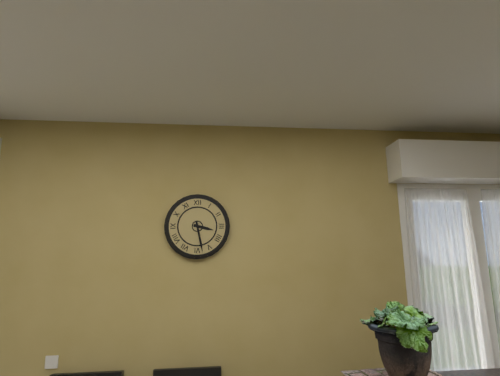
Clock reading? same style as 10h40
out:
3h28
